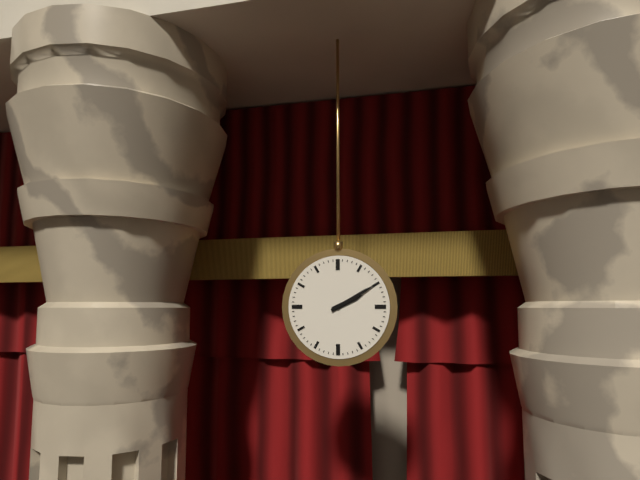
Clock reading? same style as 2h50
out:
2h10
